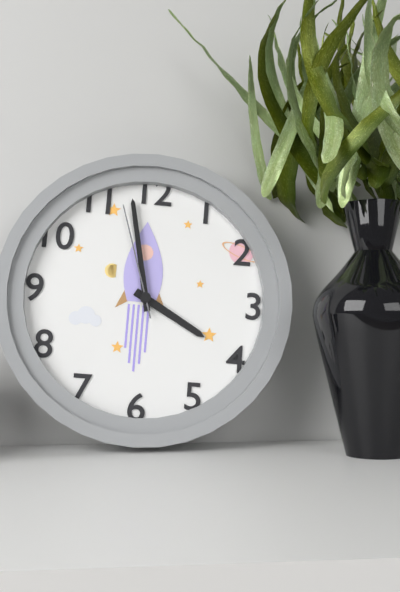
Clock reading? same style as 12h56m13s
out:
3h58m57s
